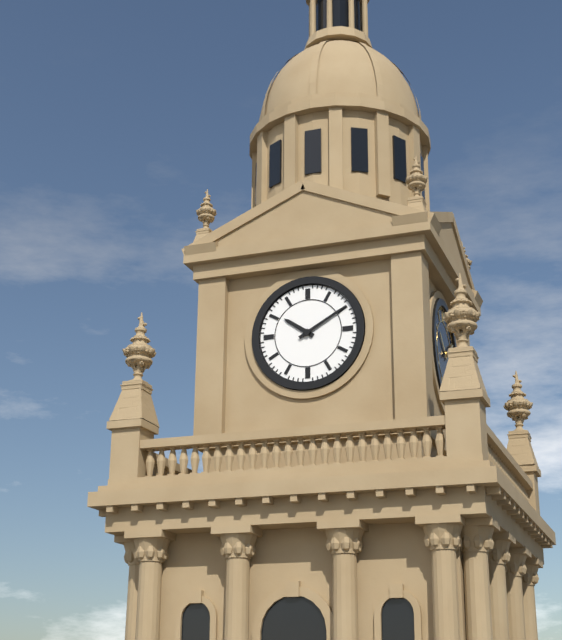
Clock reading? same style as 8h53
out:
10h10
